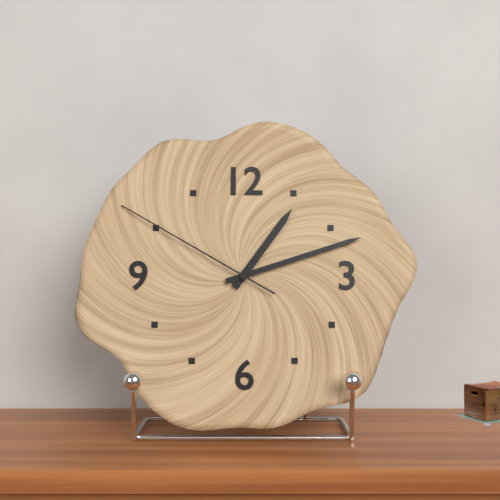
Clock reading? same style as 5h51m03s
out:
1h12m50s
